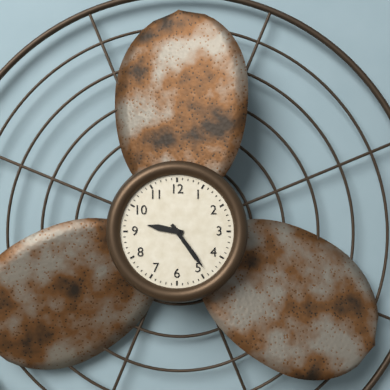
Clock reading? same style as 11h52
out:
9h24
